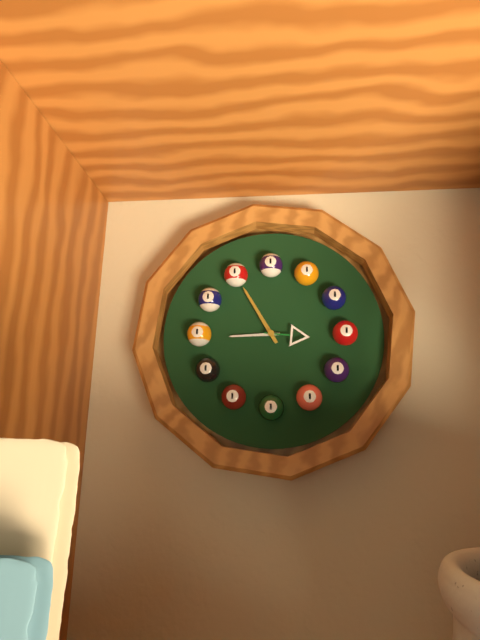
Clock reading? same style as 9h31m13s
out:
8h55m16s
